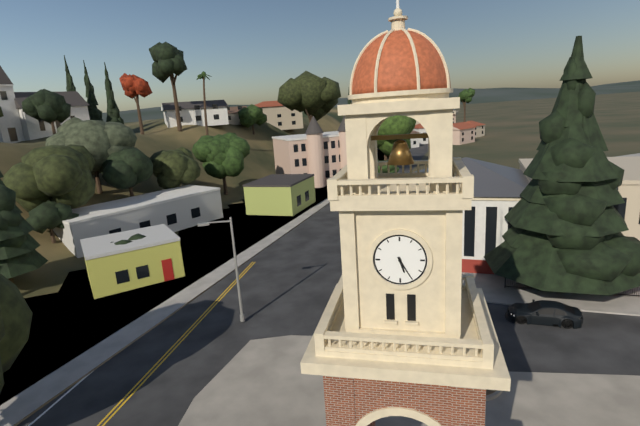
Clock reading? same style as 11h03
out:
5h25
